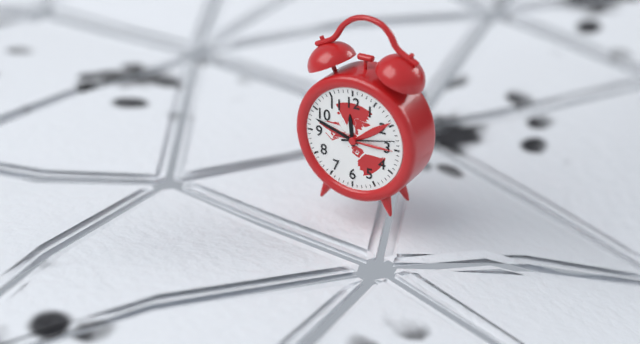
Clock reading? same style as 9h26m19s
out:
11h48m13s
